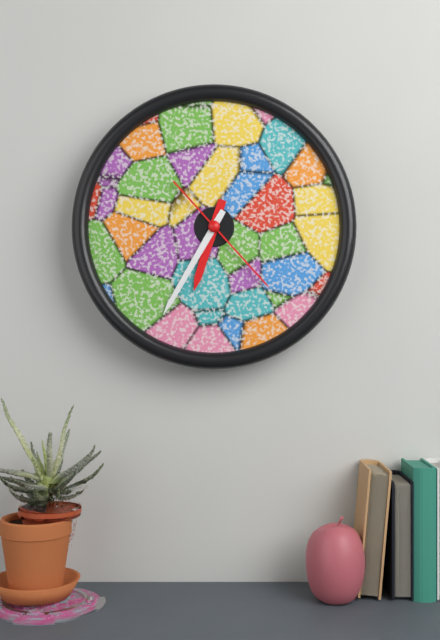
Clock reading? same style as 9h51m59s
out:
6h35m23s
